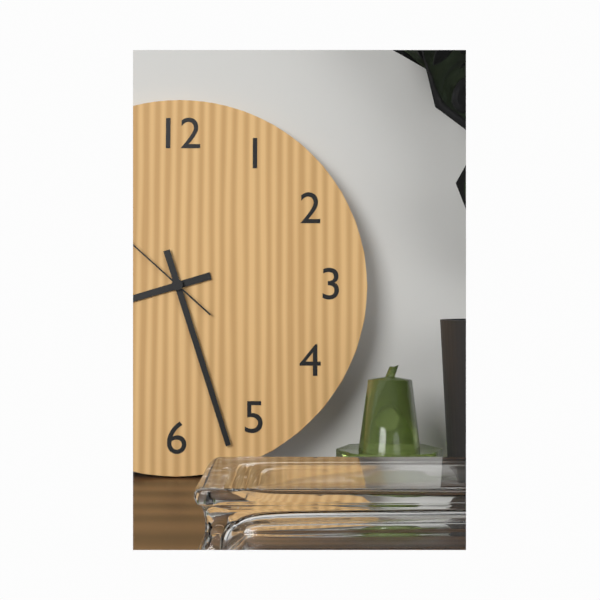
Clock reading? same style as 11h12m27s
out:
8h27m52s
